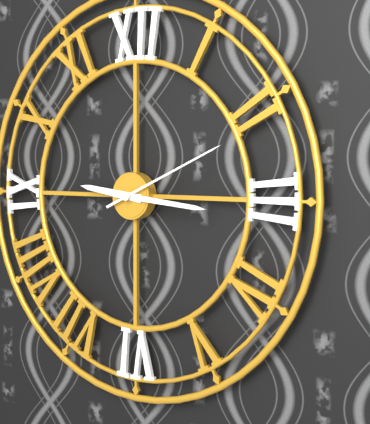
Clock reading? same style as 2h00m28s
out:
9h16m11s
